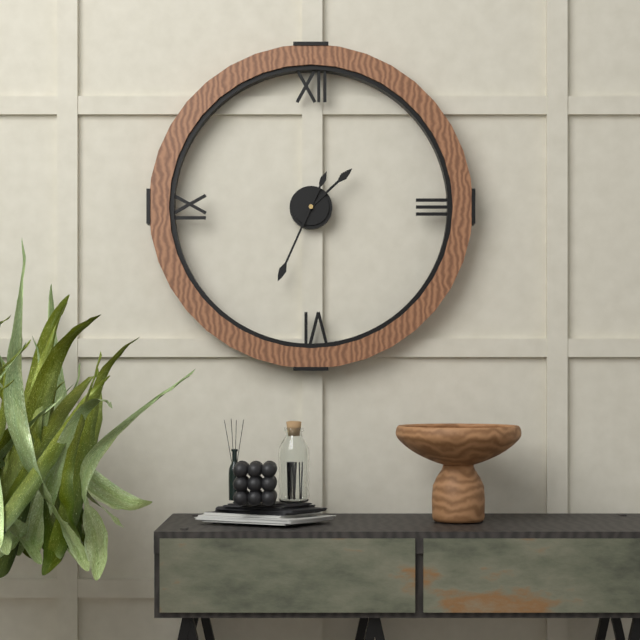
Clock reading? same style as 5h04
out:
1h34
